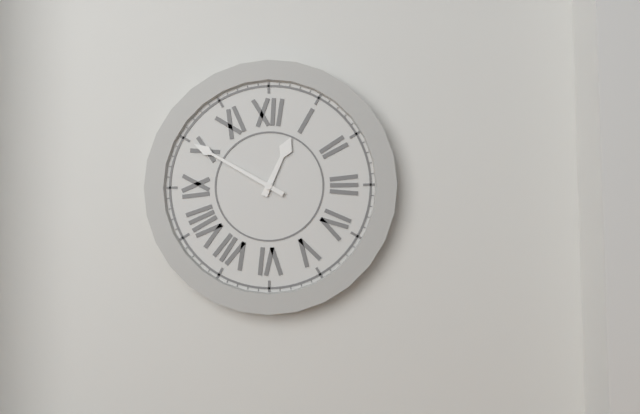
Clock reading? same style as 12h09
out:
12h50
